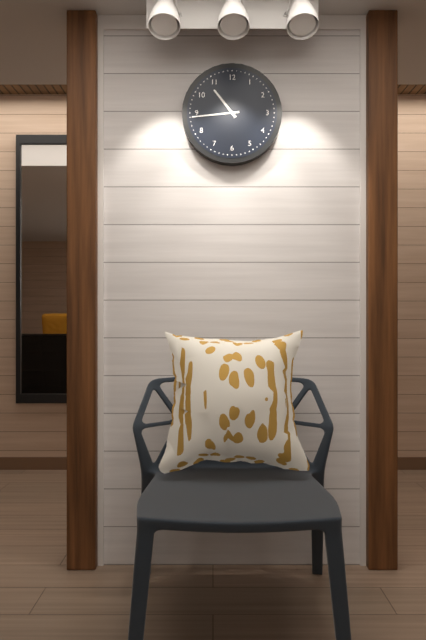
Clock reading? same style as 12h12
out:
10h44
